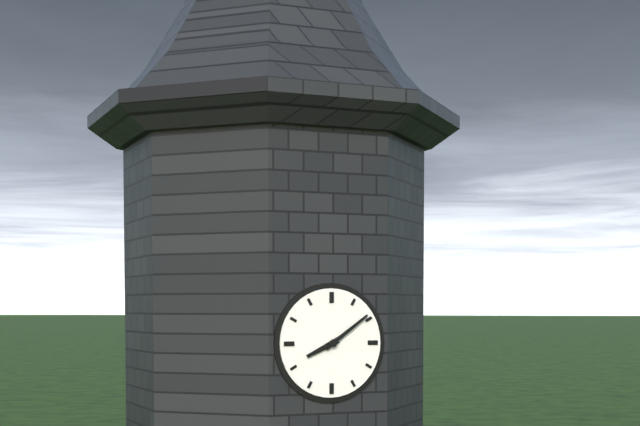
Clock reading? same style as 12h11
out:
8h09
